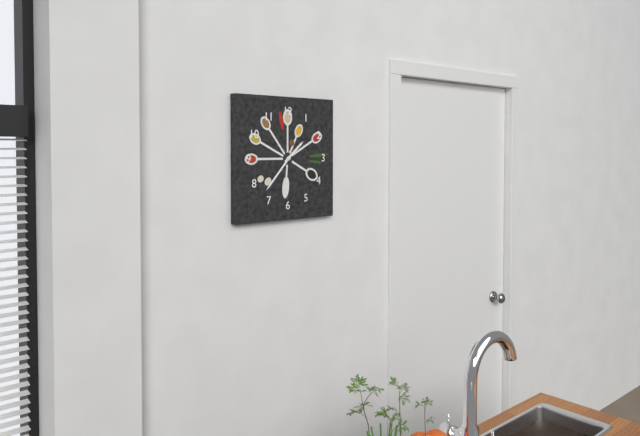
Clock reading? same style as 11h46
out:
1h37
